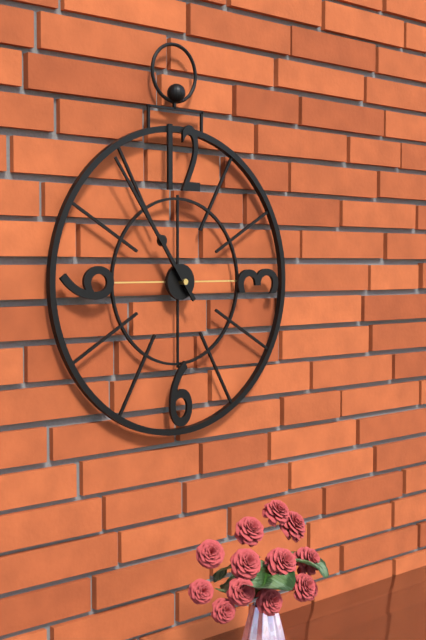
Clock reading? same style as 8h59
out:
10h54
